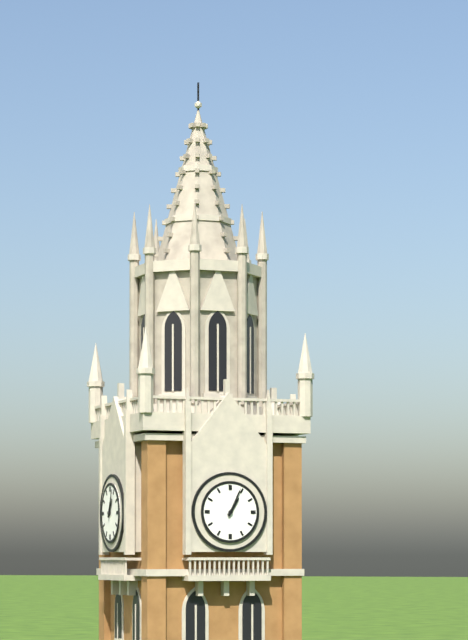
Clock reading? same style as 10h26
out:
1h04
